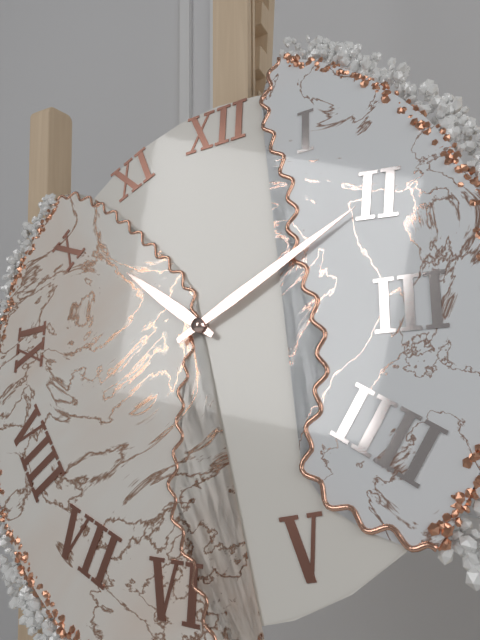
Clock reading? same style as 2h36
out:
10h10
